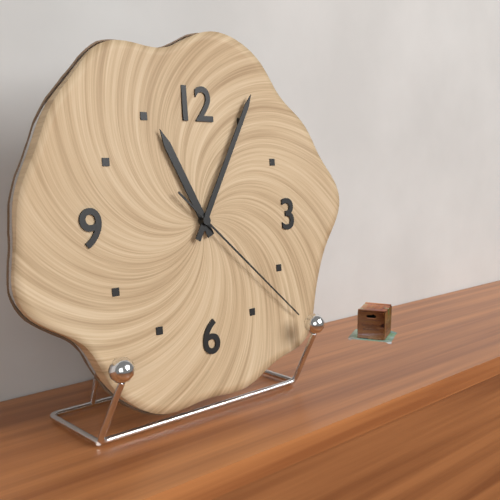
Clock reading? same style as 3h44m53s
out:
11h05m22s
